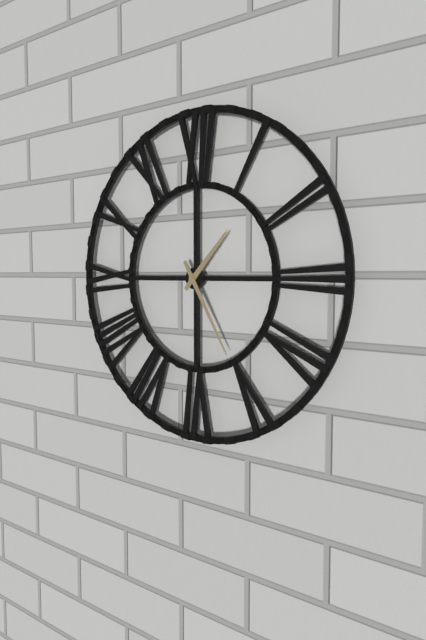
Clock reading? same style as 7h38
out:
1h25
